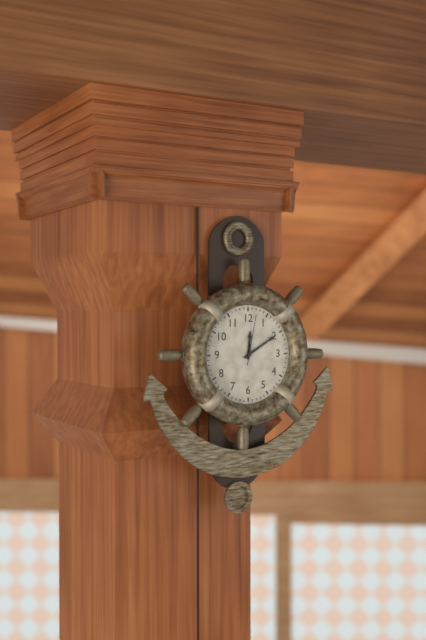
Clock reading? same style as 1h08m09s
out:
12h10m02s
